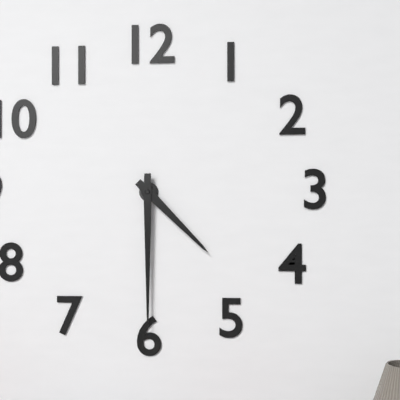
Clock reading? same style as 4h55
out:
4h30
